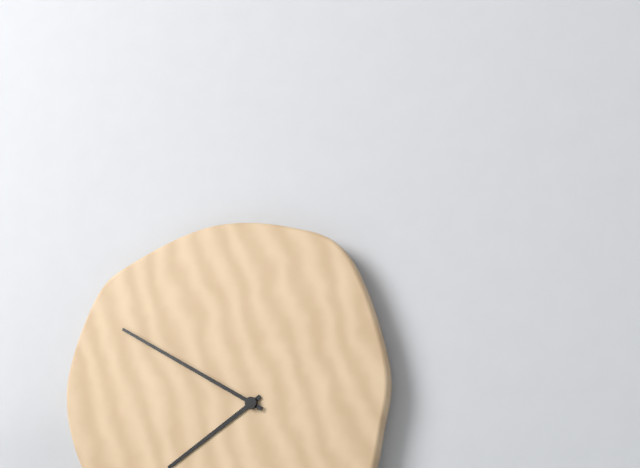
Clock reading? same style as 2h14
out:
7h50
